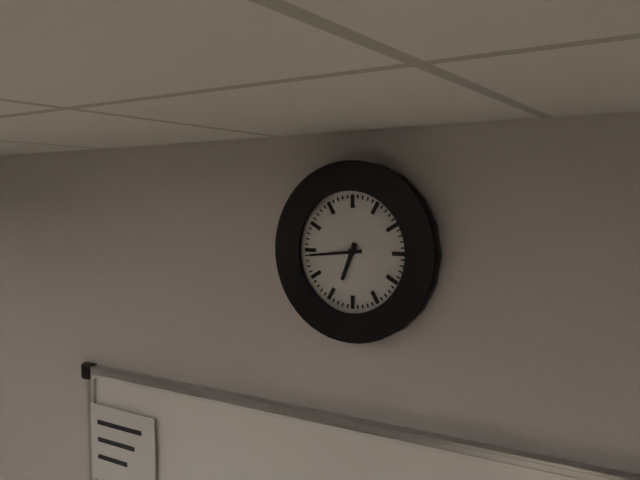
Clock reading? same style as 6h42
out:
6h44
